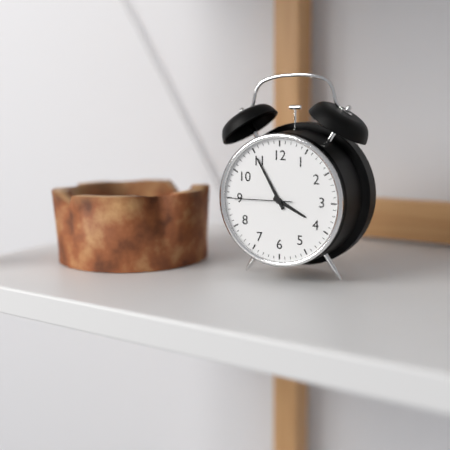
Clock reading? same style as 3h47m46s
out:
3h55m45s
